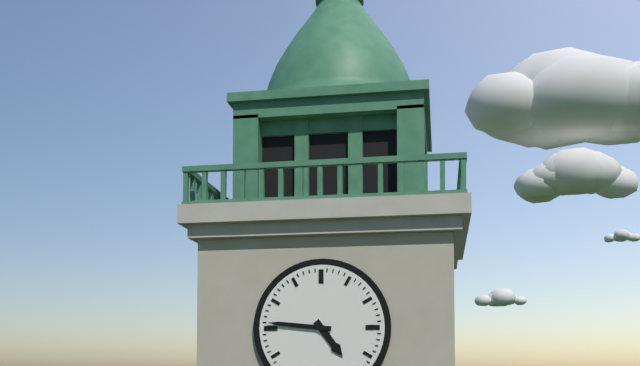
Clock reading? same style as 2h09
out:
4h46
